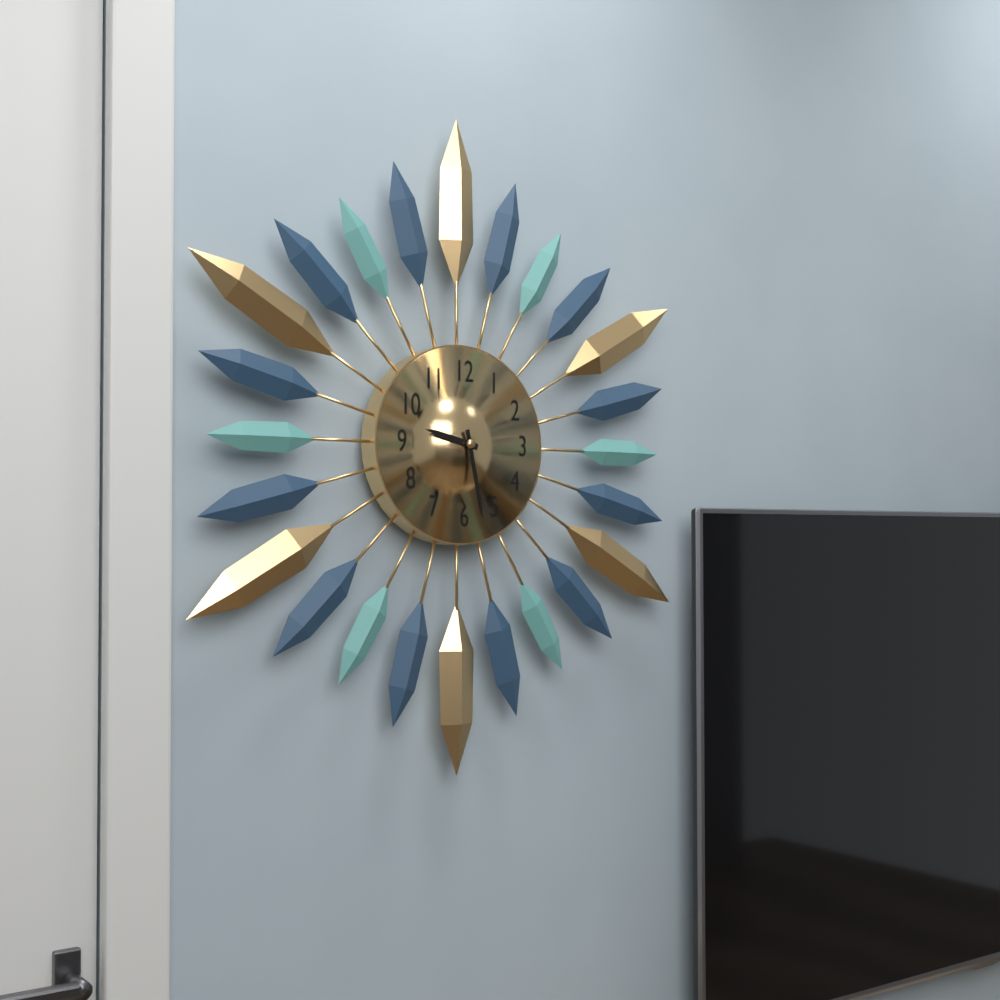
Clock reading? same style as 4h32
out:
9h28
